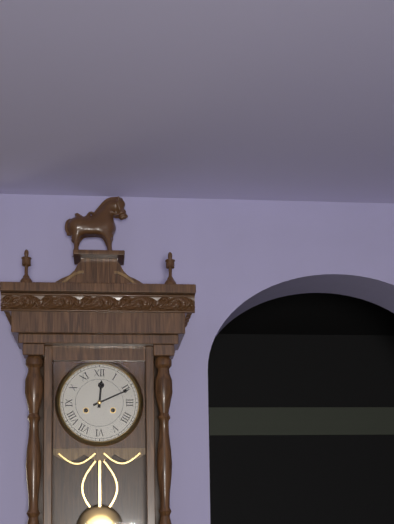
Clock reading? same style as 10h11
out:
12h11
